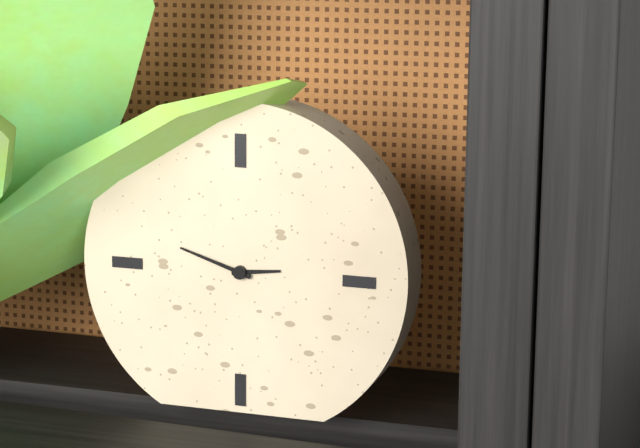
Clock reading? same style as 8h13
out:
2h48
